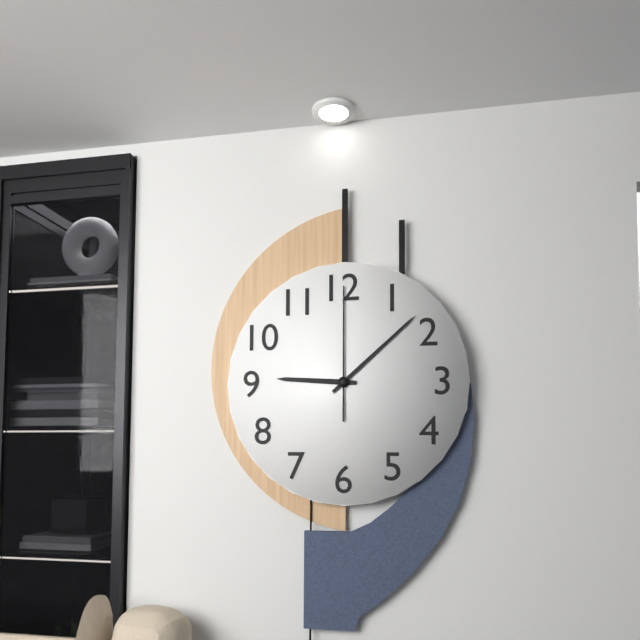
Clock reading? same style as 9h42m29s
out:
9h08m00s
